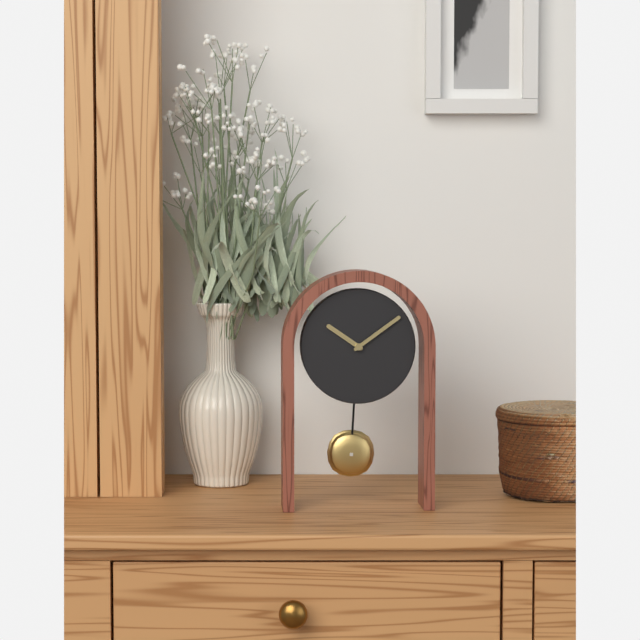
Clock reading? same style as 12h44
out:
10h09
